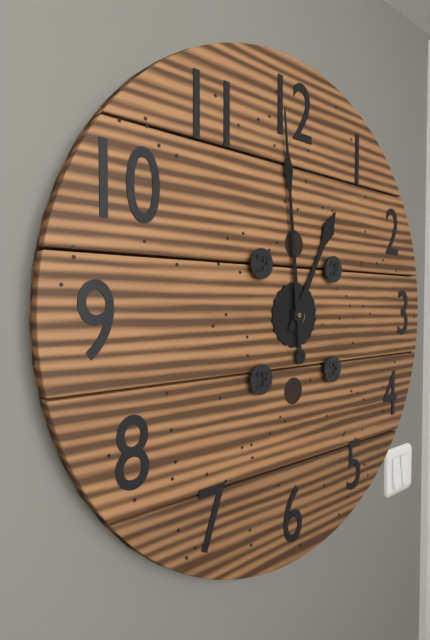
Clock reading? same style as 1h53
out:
12h59
